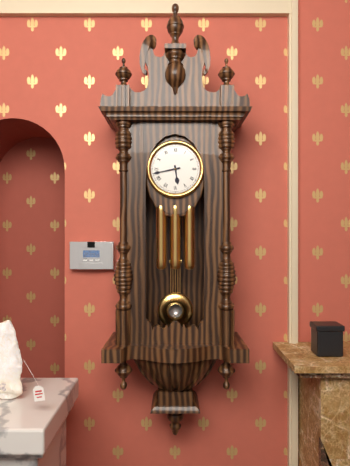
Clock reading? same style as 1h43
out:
5h43
